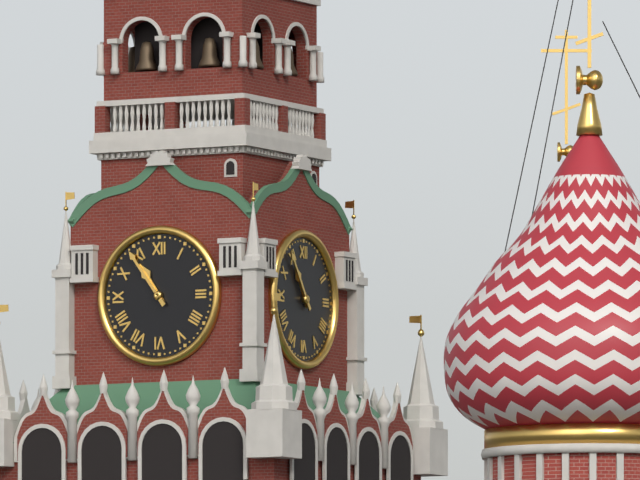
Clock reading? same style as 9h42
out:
10h54
